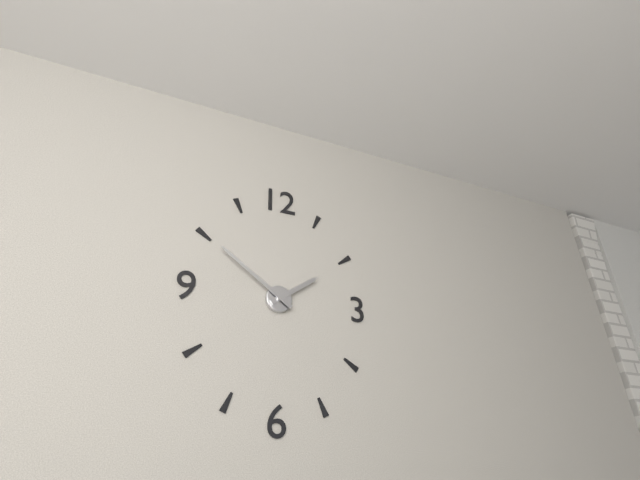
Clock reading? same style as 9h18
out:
1h51
